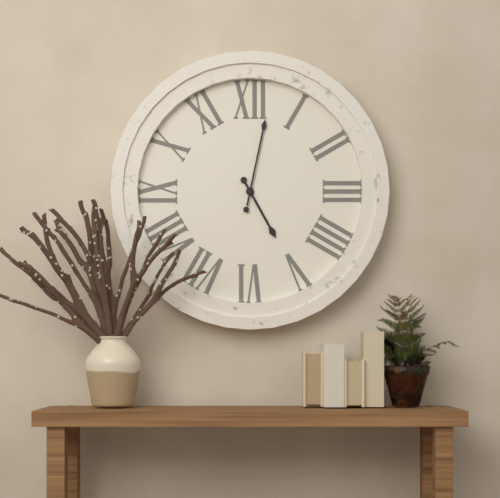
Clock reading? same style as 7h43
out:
5h02
